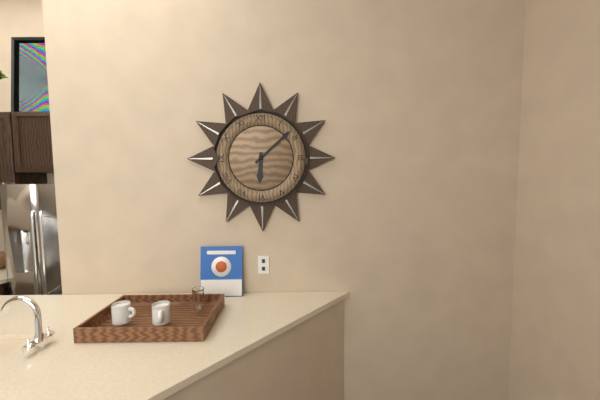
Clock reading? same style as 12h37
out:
6h08
